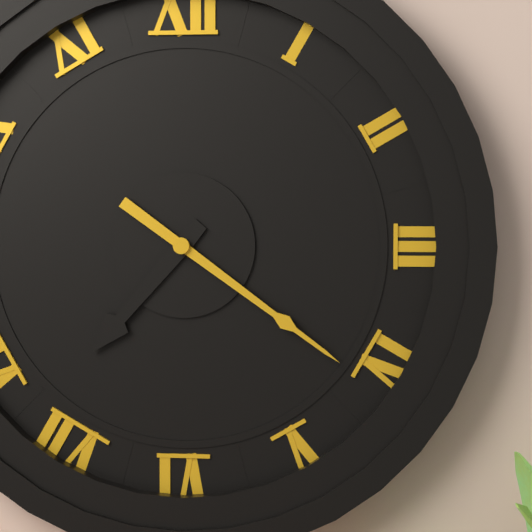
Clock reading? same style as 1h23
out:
7h21
